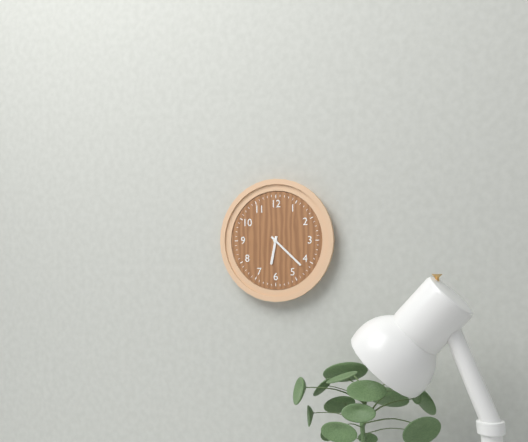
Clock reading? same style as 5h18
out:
6h22
